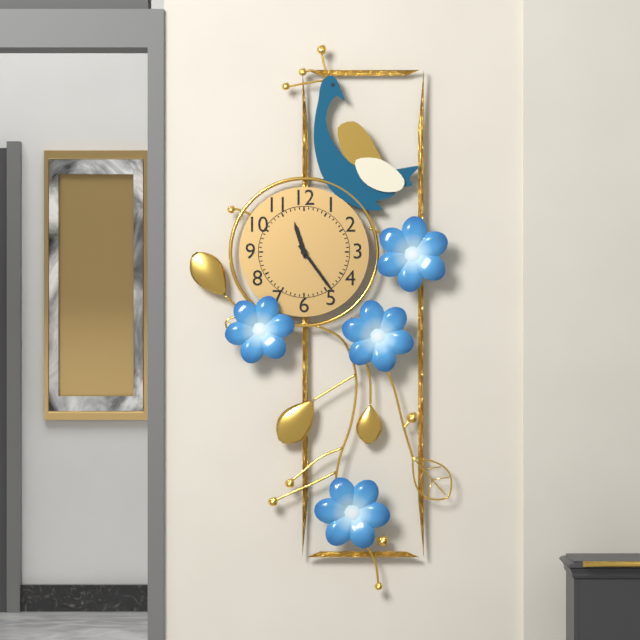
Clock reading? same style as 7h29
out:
11h24
